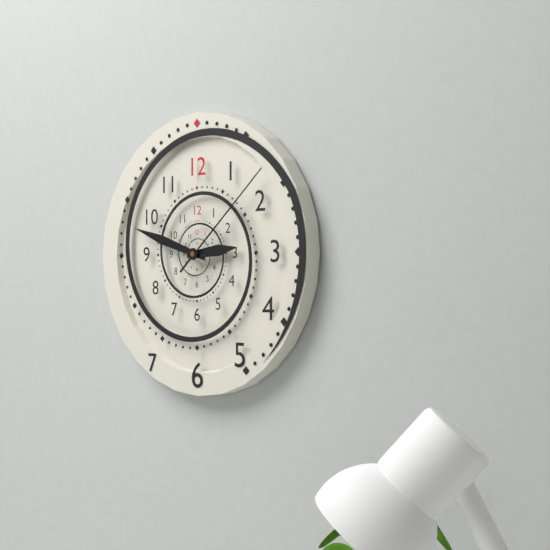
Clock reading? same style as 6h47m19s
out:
2h48m08s
